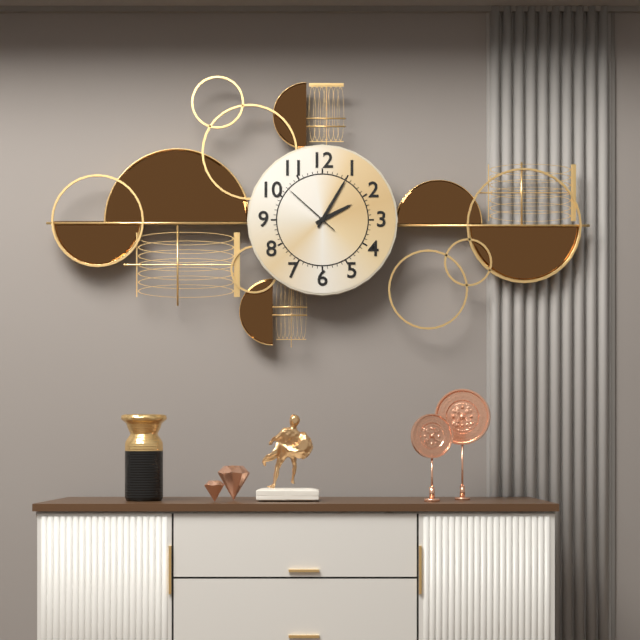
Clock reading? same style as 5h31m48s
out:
2h05m52s
